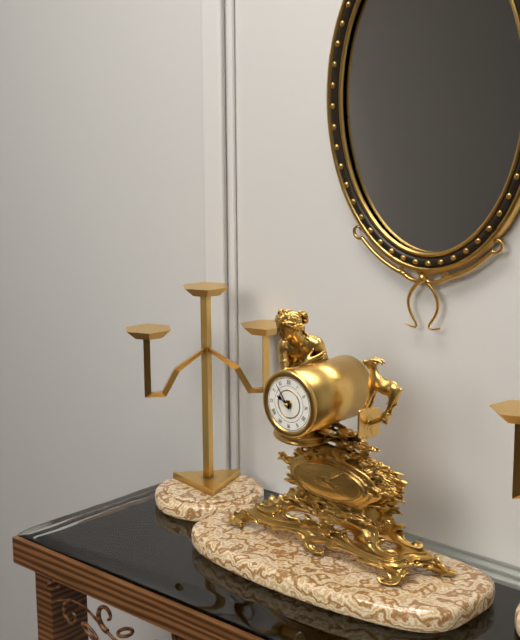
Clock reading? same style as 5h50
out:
9h54
